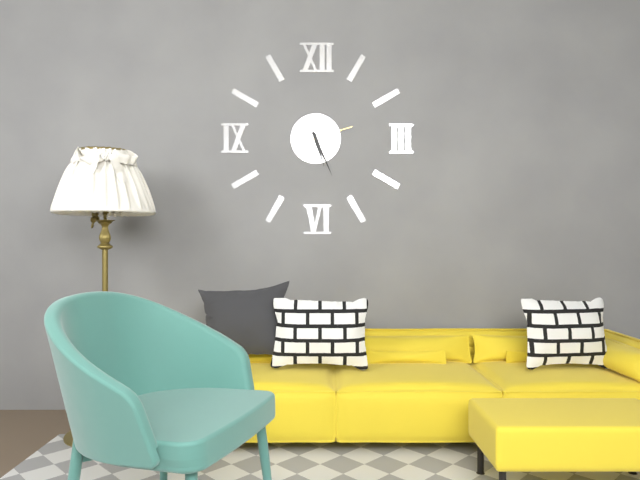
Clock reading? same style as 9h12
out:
5h26
